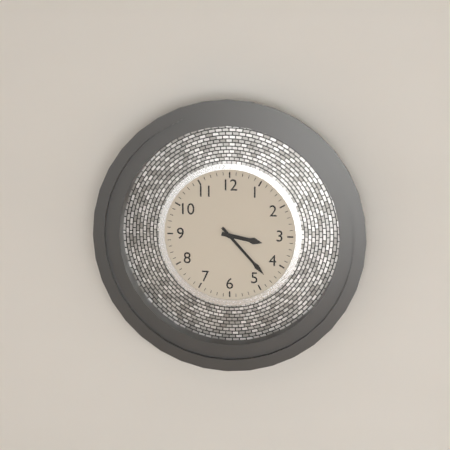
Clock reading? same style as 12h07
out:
3h23
